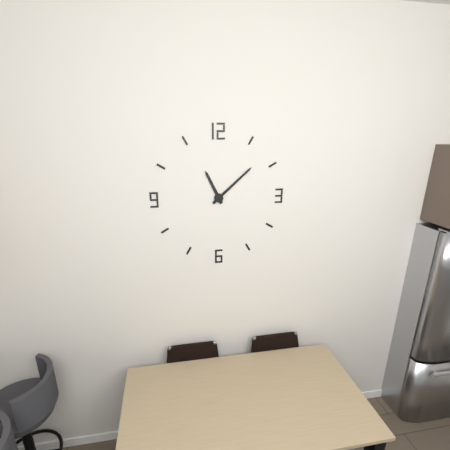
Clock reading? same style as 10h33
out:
11h08
